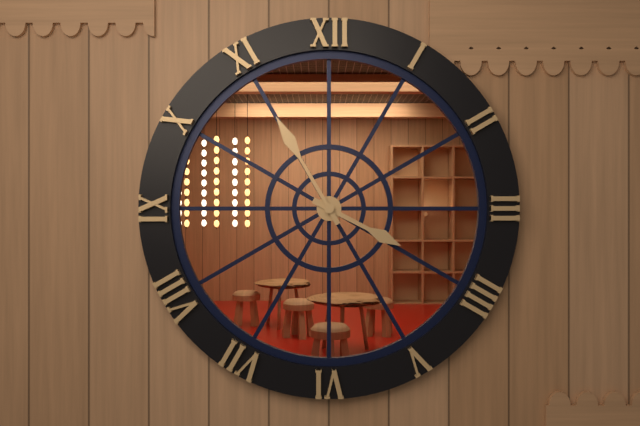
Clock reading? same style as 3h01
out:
3h55
